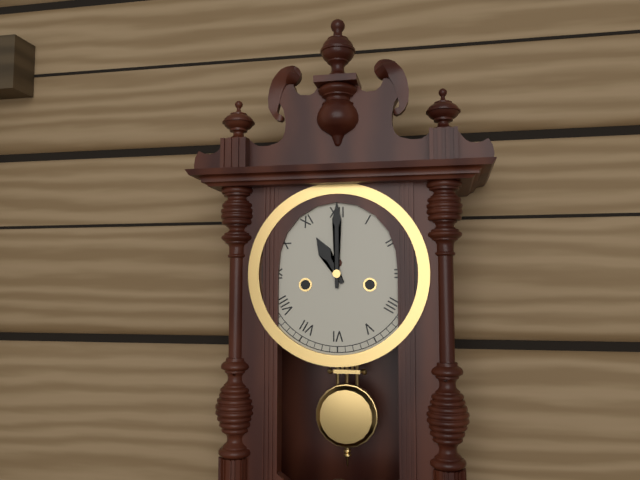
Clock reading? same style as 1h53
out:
11h00
